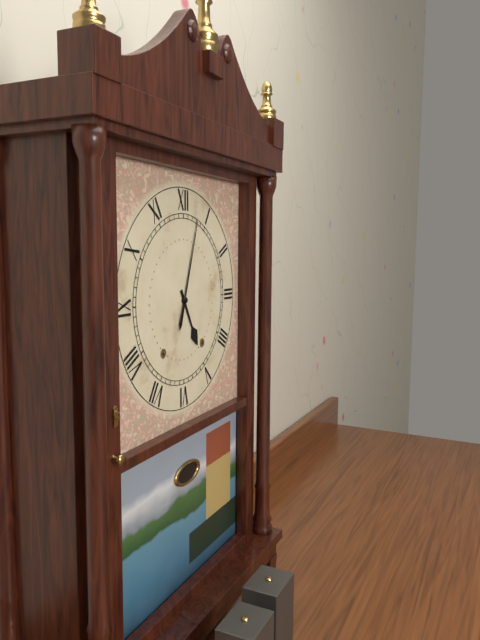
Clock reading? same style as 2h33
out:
5h03
